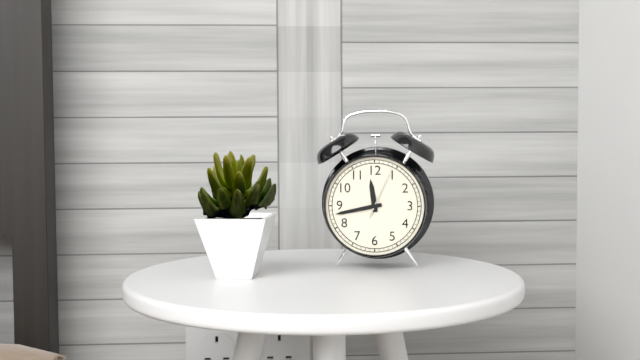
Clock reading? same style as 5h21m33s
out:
11h43m04s
